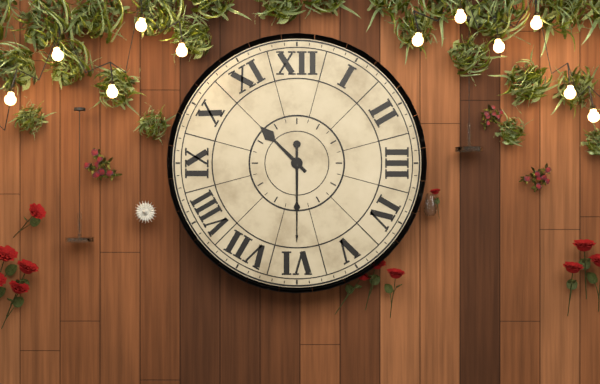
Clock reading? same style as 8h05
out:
10h30
